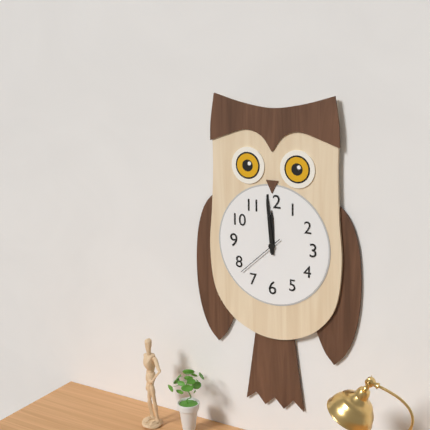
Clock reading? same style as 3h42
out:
11h59
